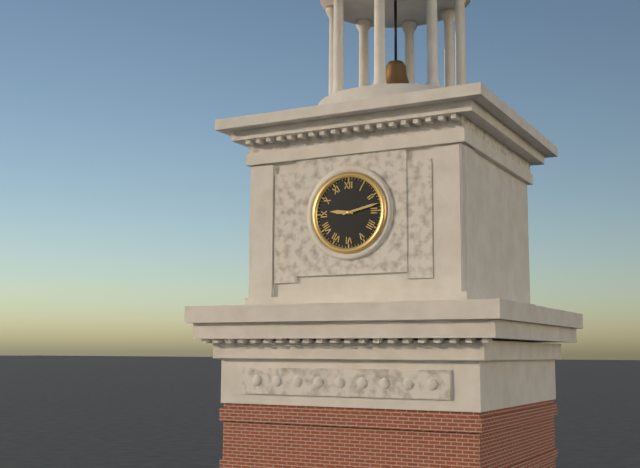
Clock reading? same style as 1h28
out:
9h13
